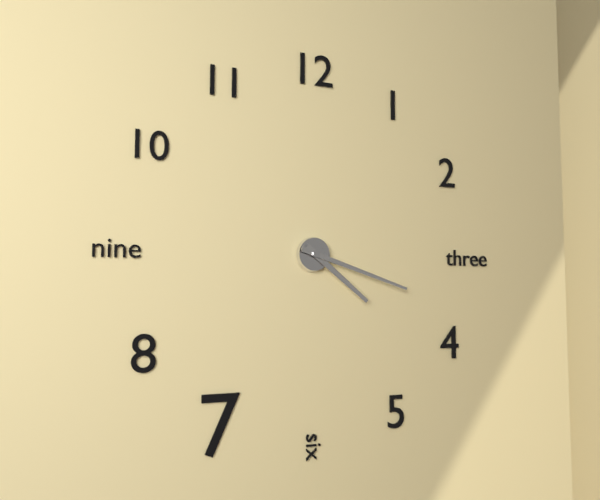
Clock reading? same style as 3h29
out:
4h18
